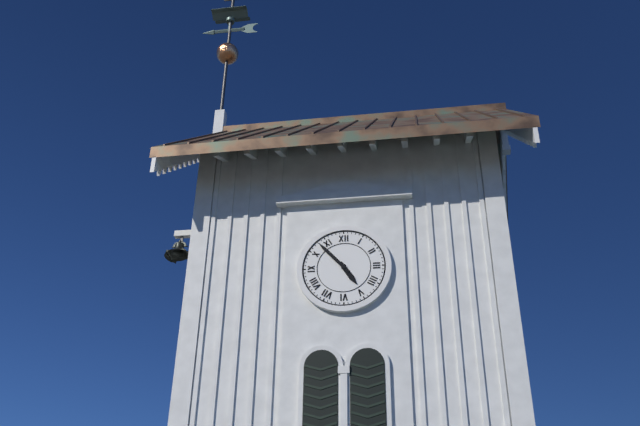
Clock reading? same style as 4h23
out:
4h53
